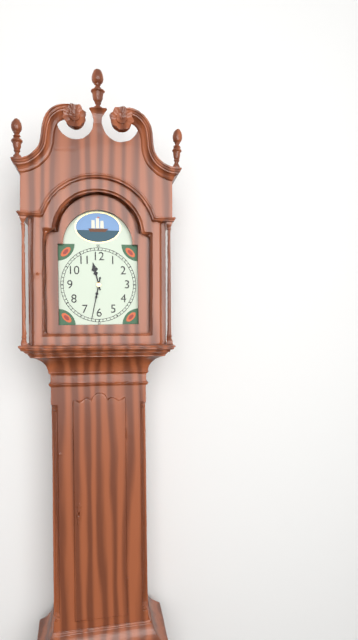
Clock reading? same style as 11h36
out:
11h32
